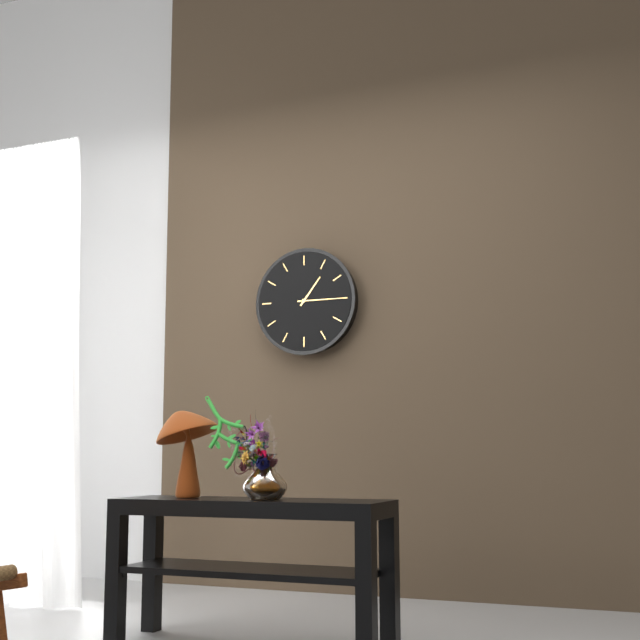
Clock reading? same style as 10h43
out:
1h15
